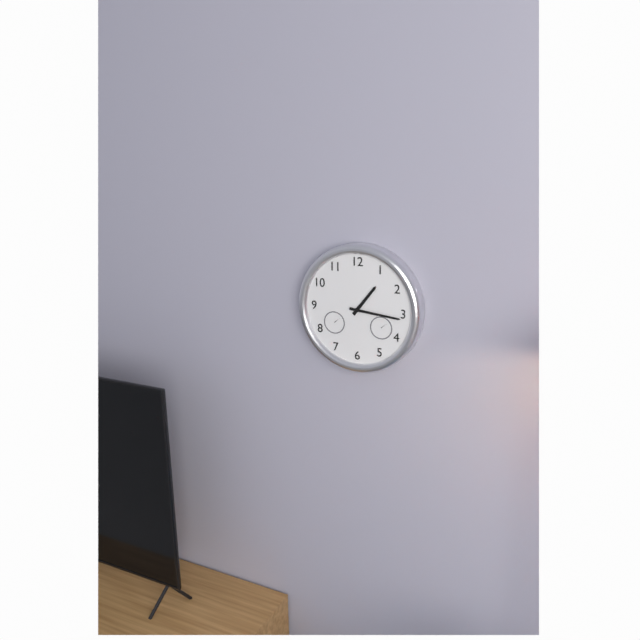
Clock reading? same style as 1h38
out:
1h16
